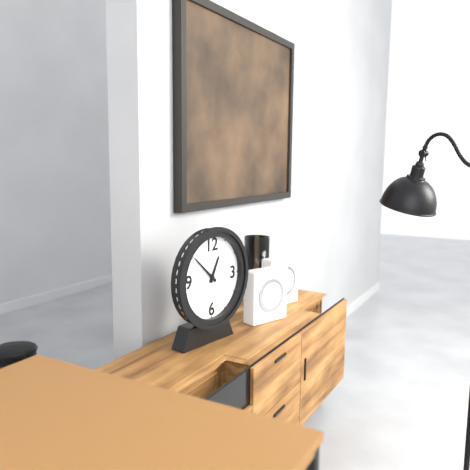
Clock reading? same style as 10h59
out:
12h52
